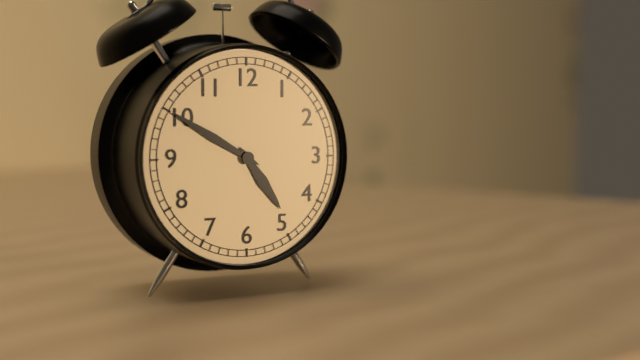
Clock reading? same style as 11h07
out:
4h50
